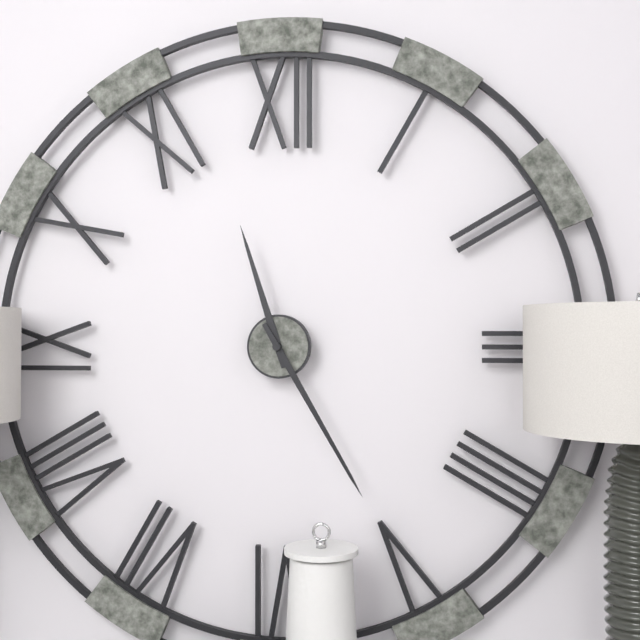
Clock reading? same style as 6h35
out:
11h25
